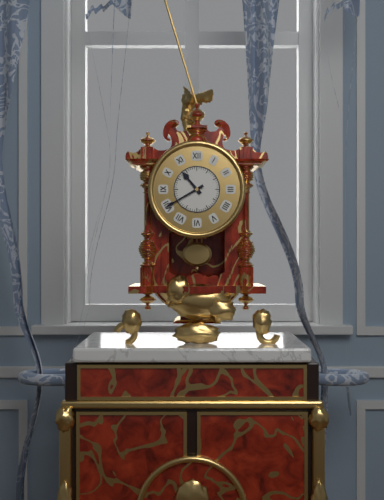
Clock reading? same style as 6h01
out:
10h40
